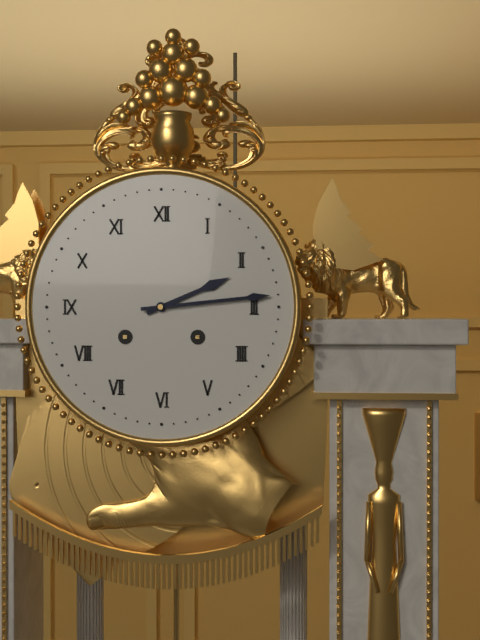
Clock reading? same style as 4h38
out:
2h14
